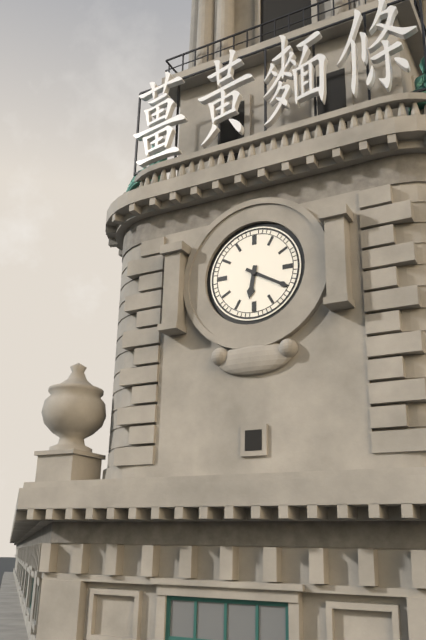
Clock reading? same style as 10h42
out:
6h20
